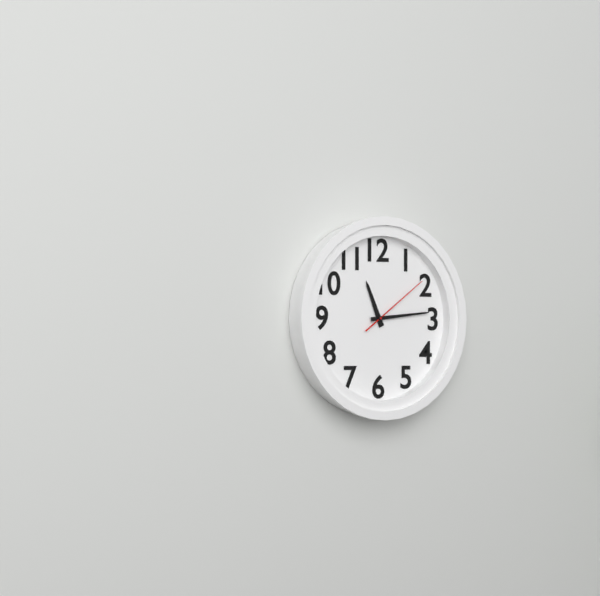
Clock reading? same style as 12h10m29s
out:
11h14m09s
